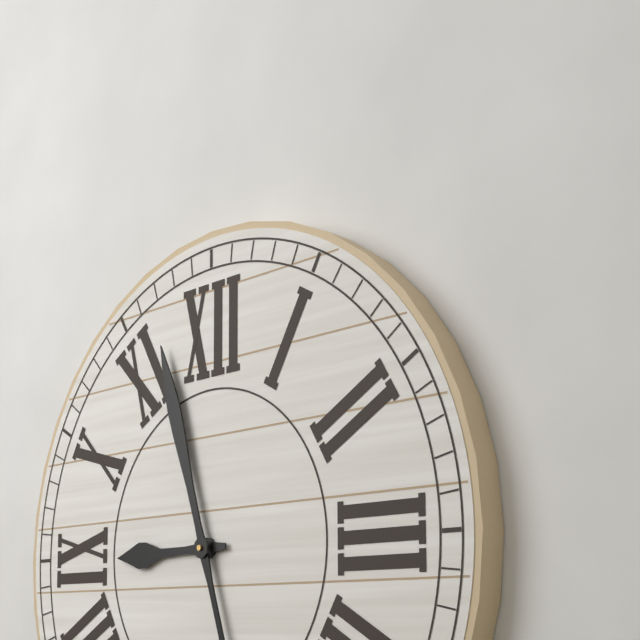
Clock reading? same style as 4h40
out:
8h57
